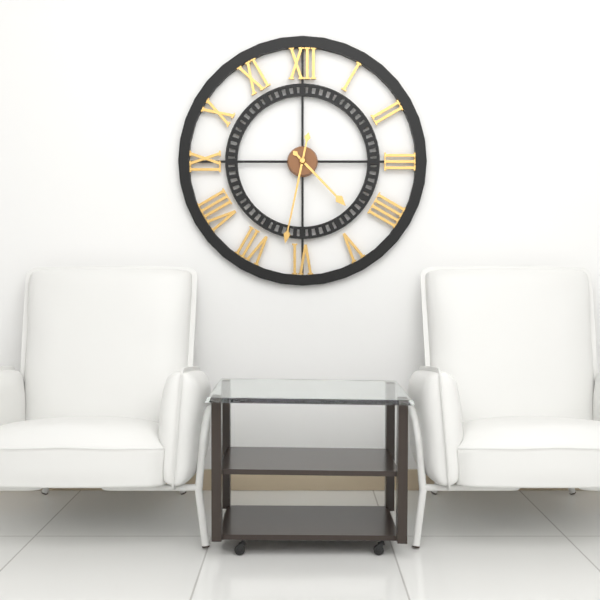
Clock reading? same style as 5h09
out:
4h32
